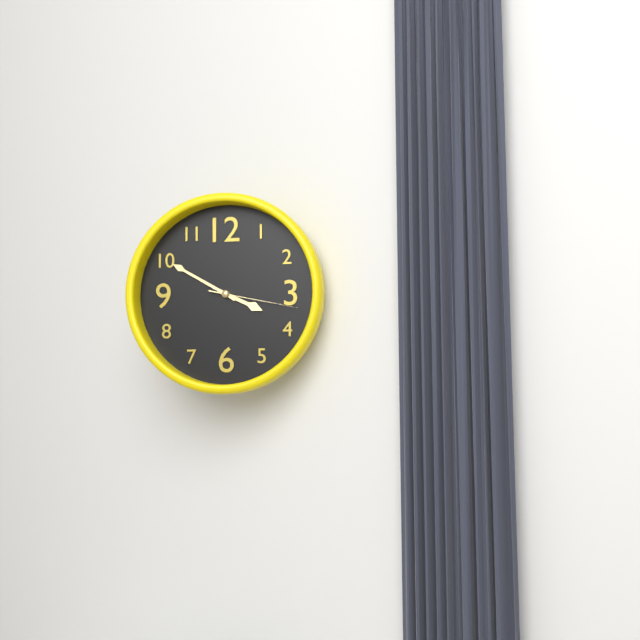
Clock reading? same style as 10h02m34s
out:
3h50m17s
